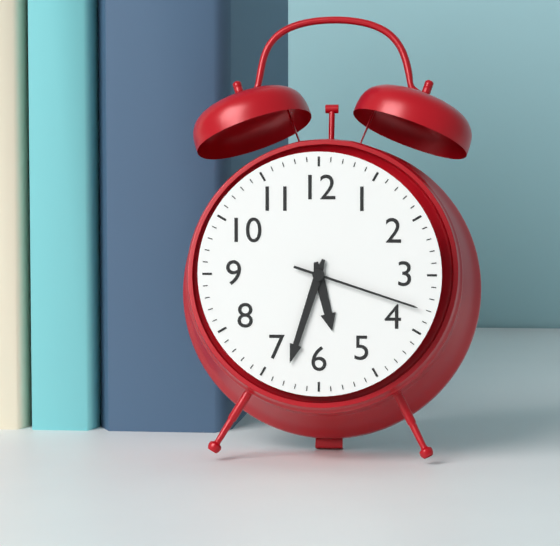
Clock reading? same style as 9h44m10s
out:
5h33m18s
